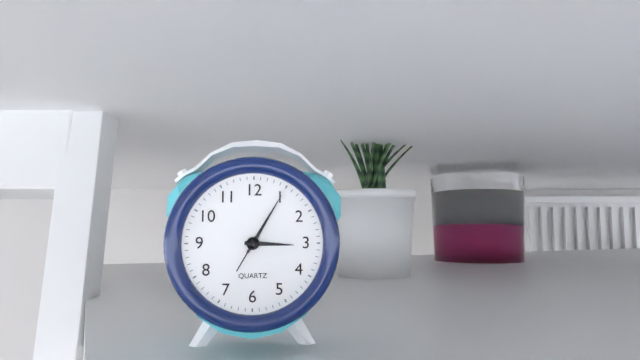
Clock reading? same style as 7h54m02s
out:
3h05m05s
